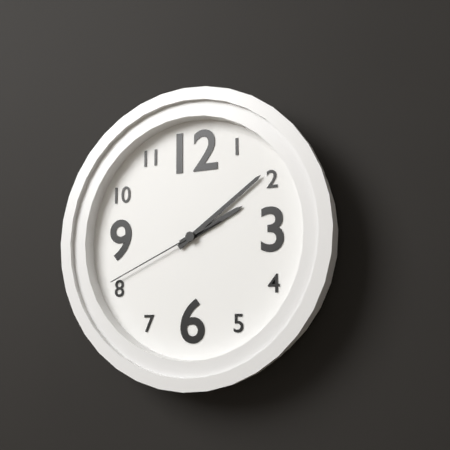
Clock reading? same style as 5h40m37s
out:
2h09m41s
